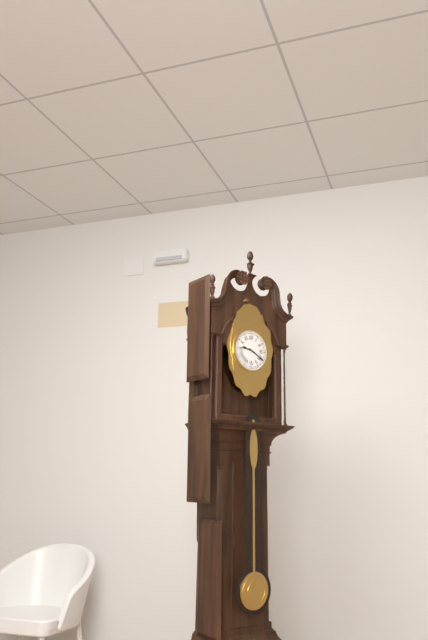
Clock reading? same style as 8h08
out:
9h20
